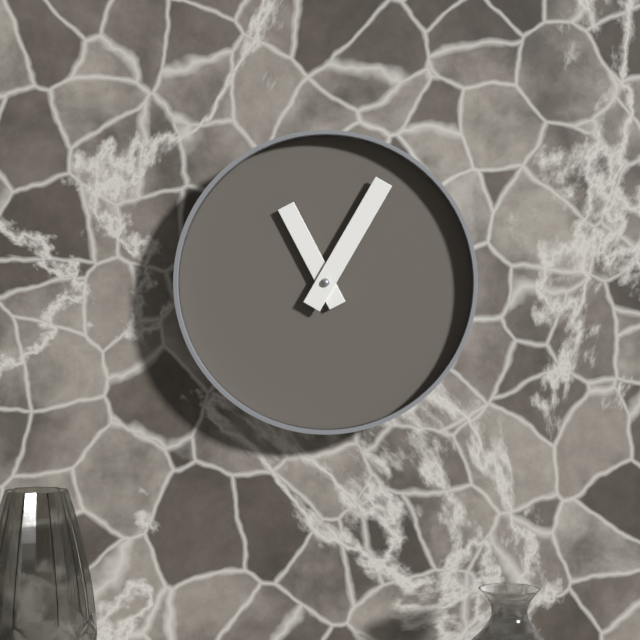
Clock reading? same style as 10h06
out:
11h05
